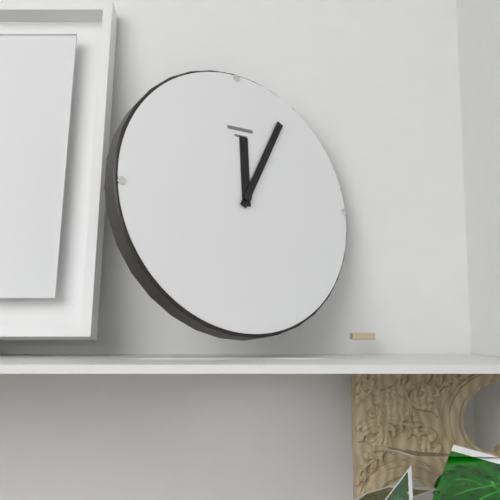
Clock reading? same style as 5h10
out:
12h05
